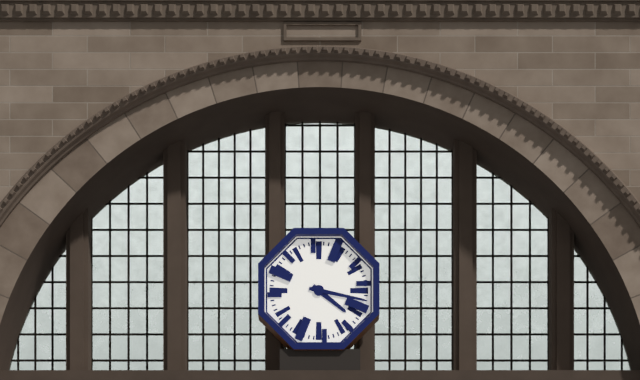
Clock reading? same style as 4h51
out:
4h17
